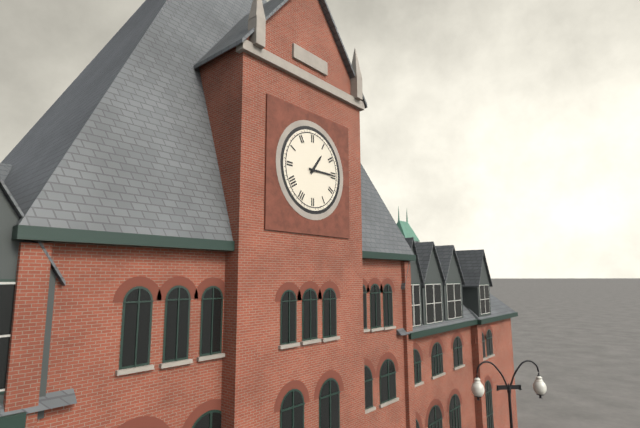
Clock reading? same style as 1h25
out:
1h15
